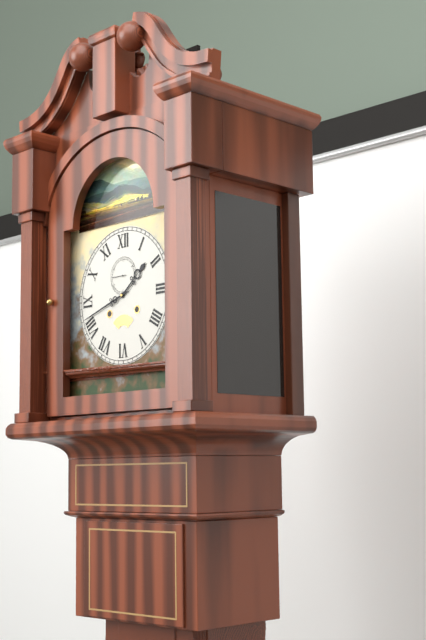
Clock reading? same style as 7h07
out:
1h42
